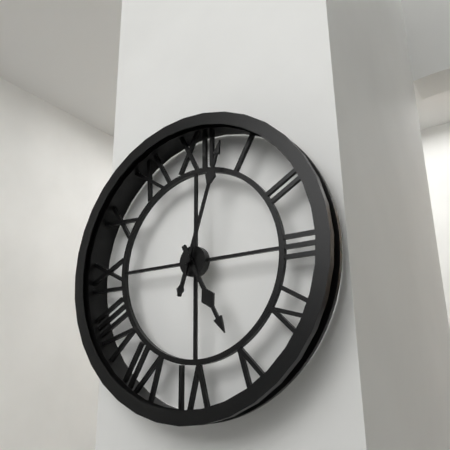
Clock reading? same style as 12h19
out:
5h03
